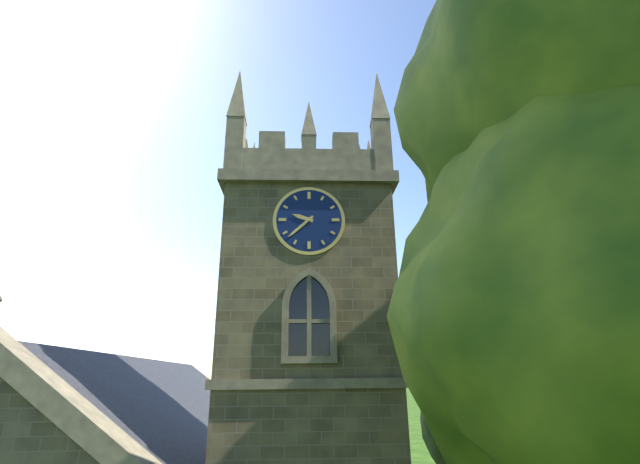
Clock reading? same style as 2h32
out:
9h38
